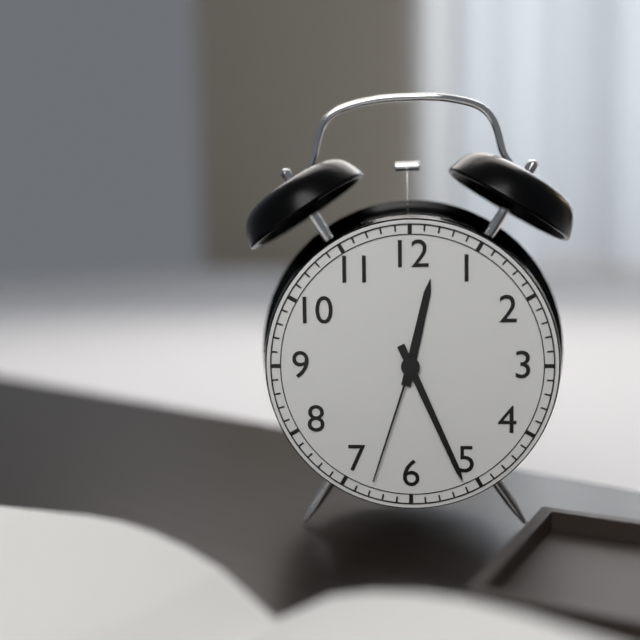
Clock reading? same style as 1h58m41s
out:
12h26m33s
